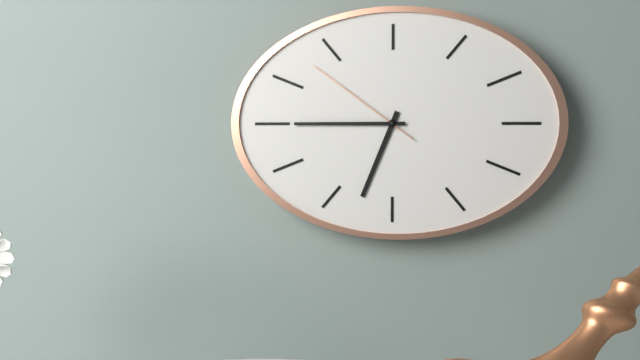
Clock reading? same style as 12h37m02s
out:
6h45m51s
